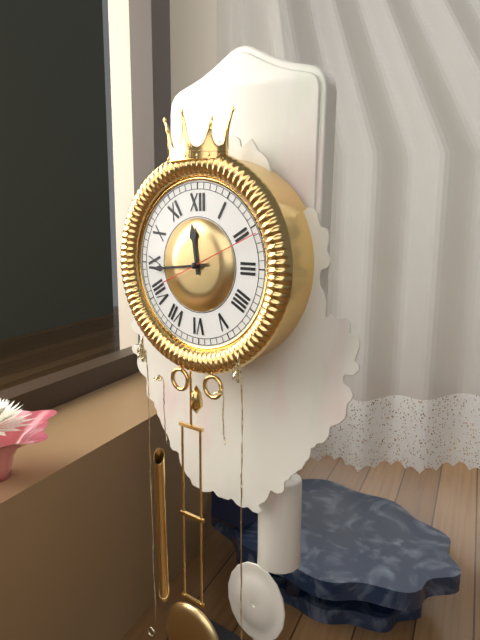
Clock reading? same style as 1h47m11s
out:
11h44m11s
